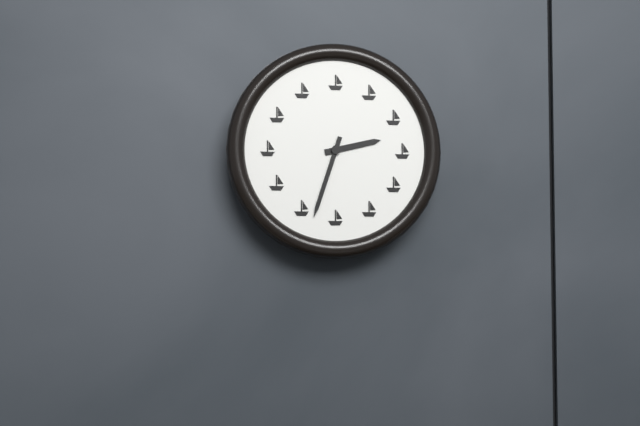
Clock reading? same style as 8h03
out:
2h33
